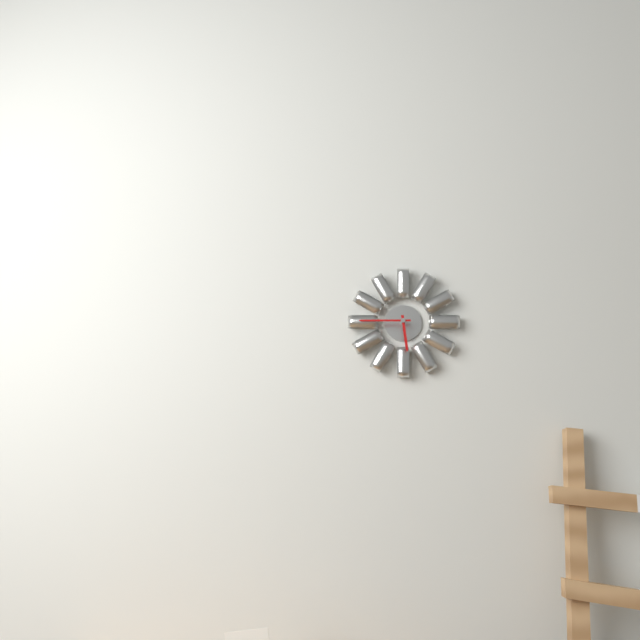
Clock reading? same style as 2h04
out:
5h45
